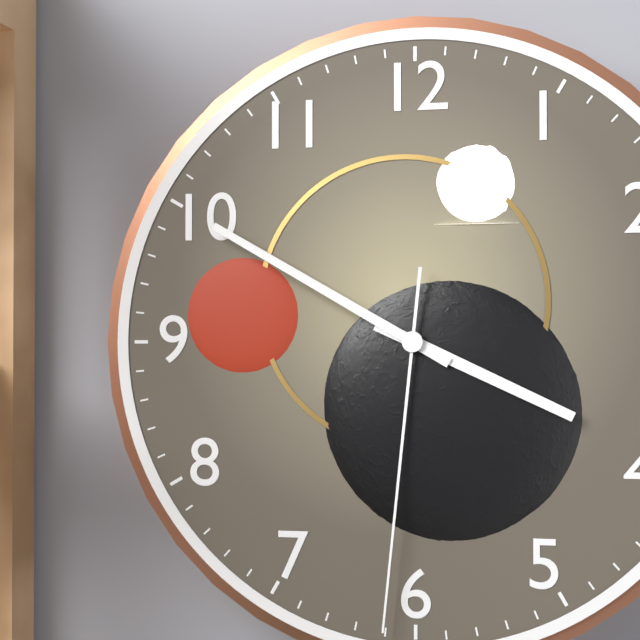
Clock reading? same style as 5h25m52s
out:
3h50m31s
